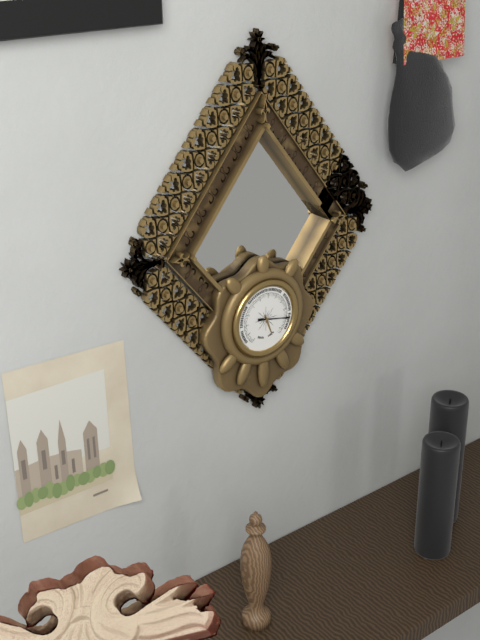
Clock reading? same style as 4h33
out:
5h17
